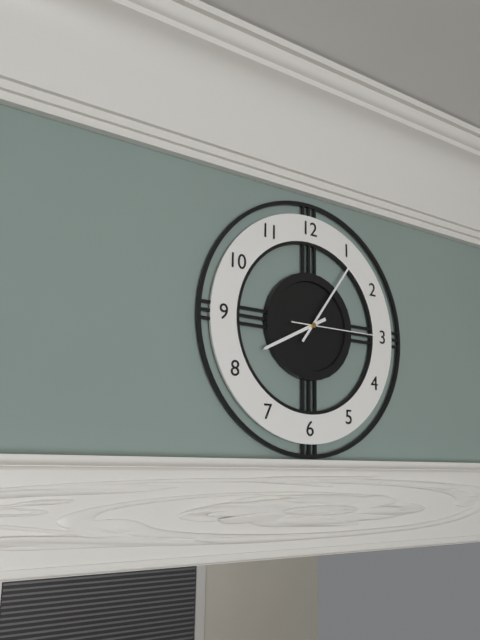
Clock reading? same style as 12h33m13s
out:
8h06m15s
